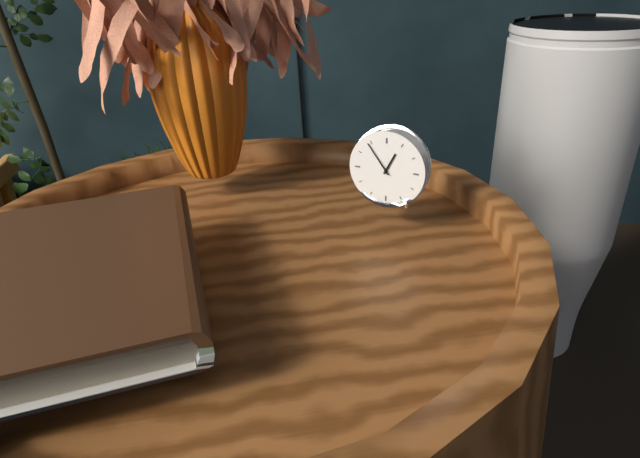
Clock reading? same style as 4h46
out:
12h54
